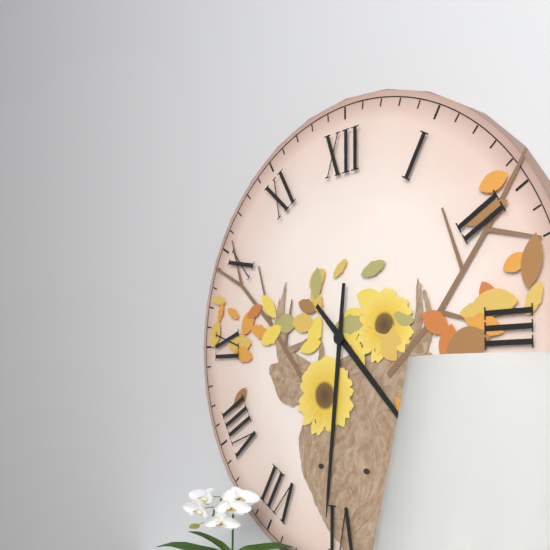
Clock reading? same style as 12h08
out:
4h31
